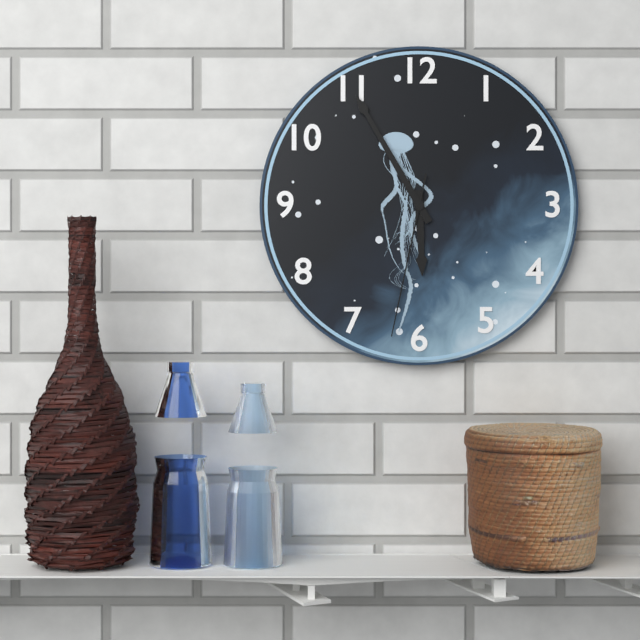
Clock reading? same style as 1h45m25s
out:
5h55m32s
